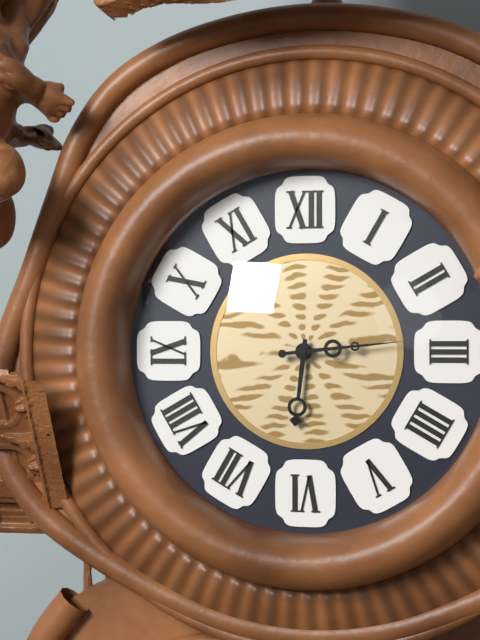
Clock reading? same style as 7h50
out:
6h14
